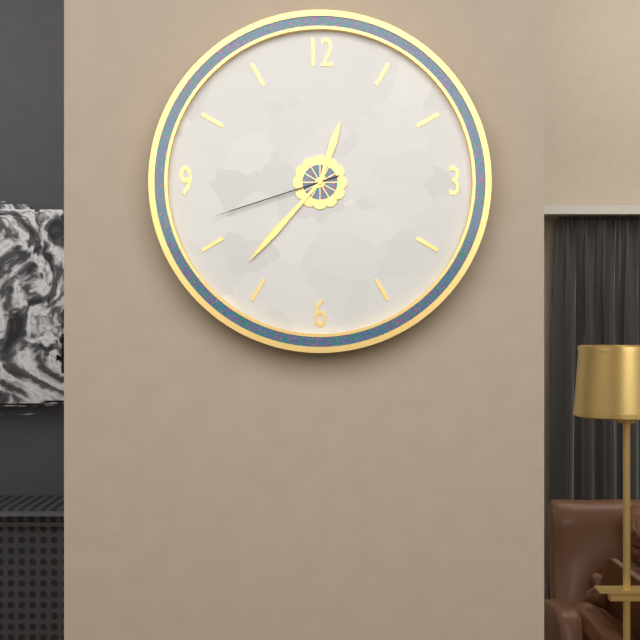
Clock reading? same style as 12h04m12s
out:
12h37m42s
